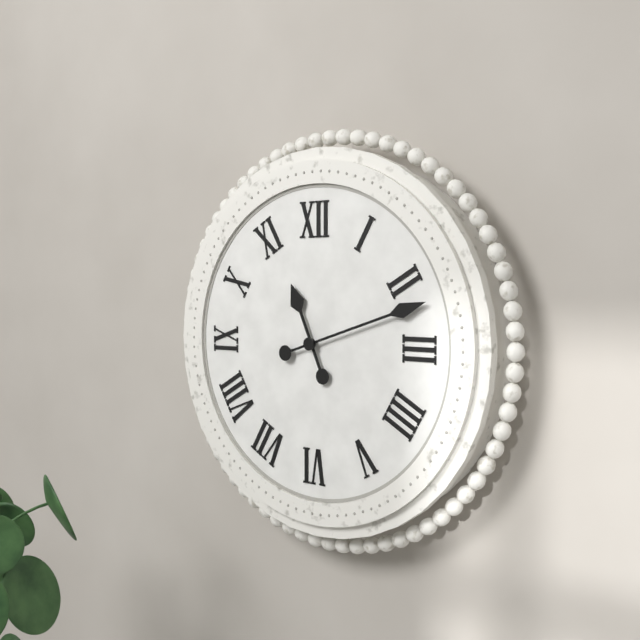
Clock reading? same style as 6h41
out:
11h12
